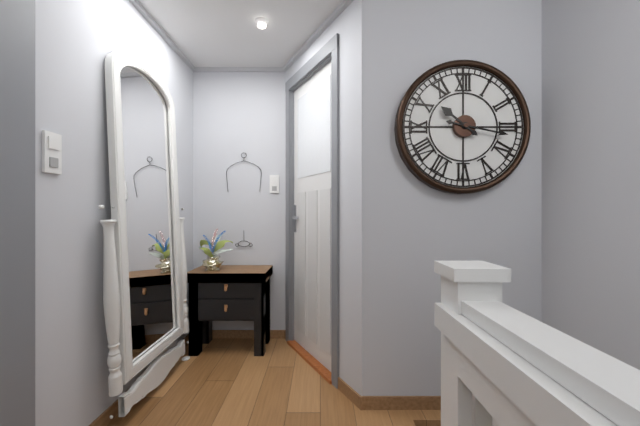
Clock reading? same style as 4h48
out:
10h17
